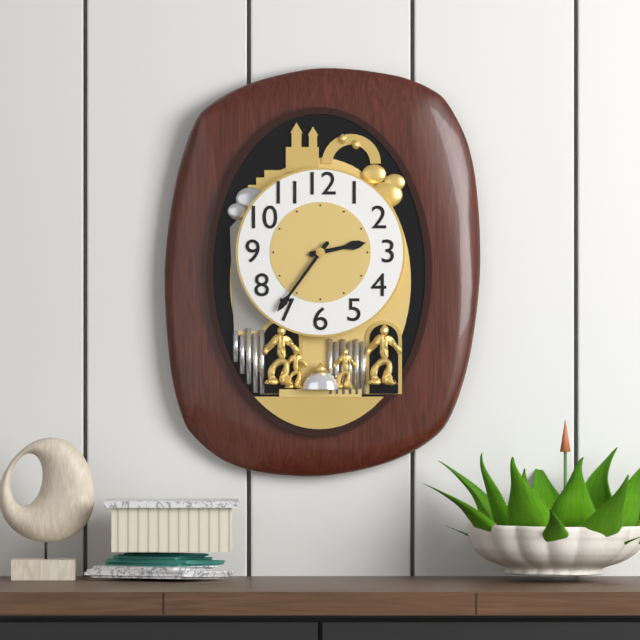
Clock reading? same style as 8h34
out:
2h36
